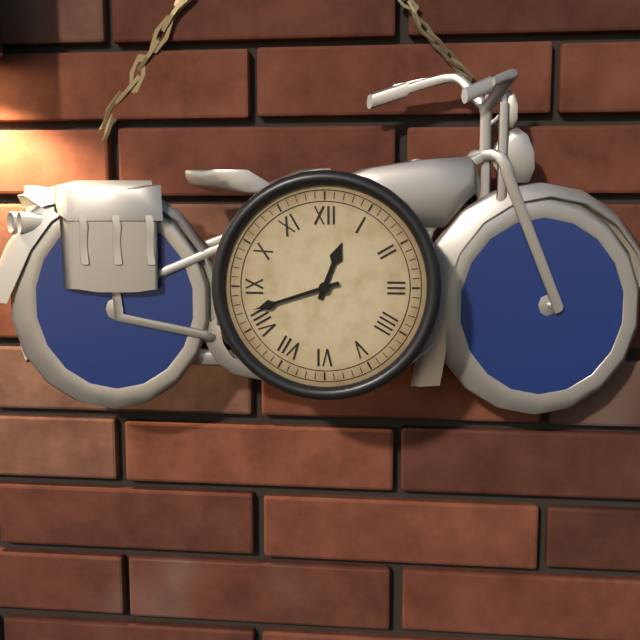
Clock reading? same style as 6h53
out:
12h42
